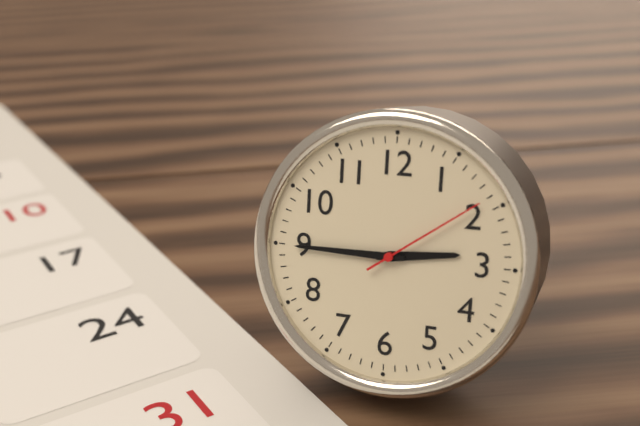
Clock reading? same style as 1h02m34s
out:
2h45m09s
